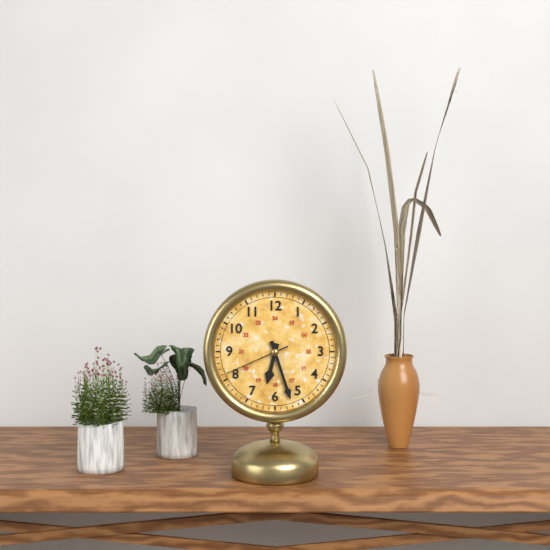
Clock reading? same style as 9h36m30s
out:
6h27m41s
